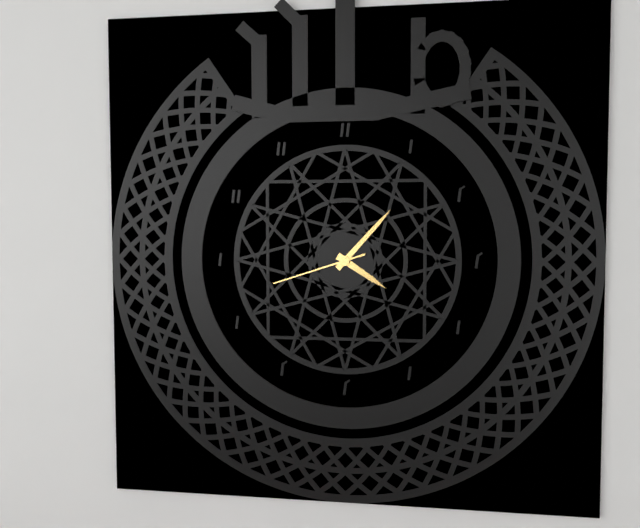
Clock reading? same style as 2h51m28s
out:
4h07m42s
